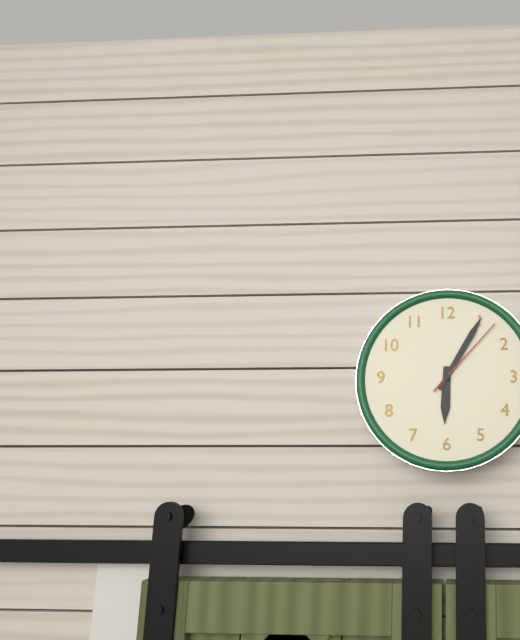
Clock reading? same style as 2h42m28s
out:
6h05m07s
